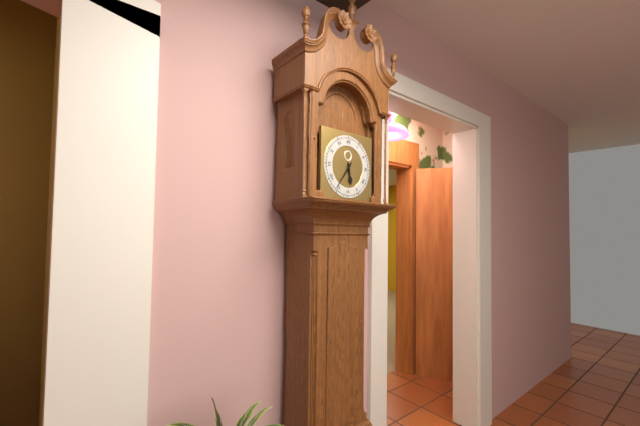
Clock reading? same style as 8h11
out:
5h36
